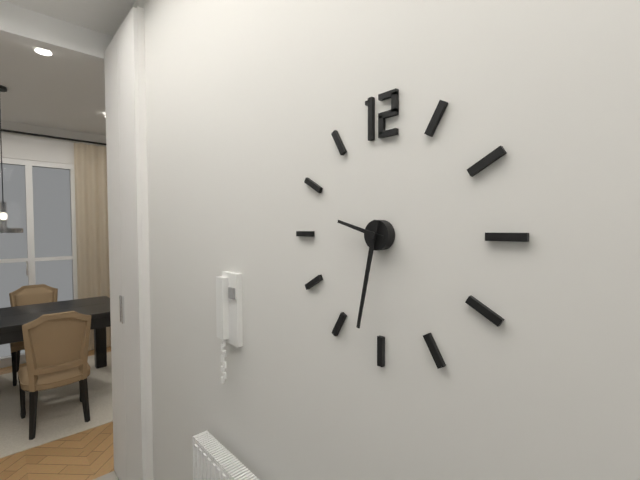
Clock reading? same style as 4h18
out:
9h32
